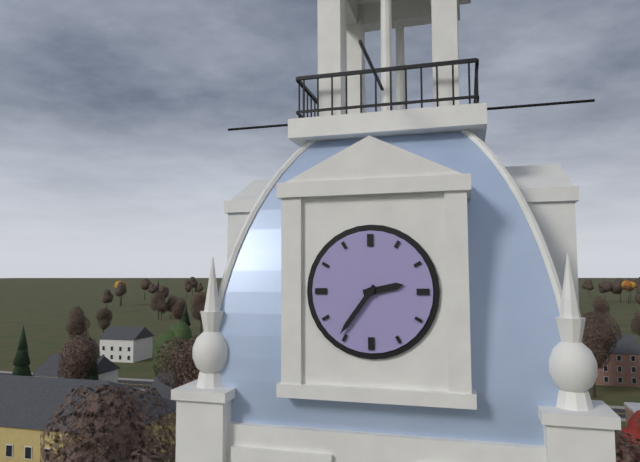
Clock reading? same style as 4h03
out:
2h36
